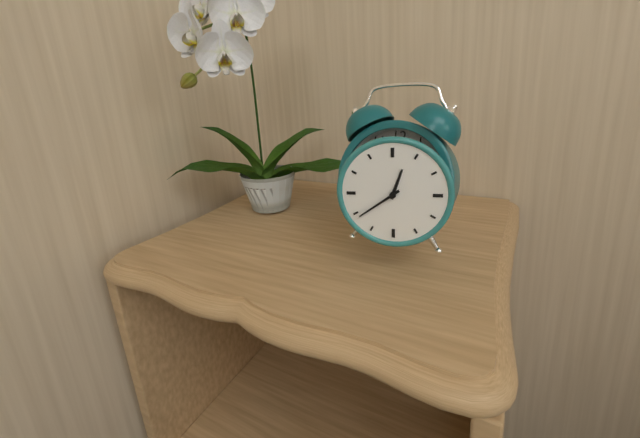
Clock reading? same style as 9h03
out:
12h39
